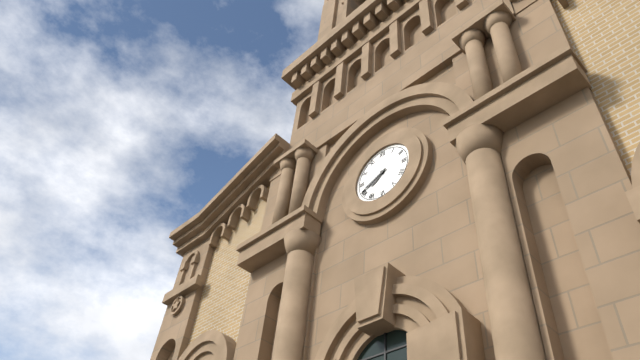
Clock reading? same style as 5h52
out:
7h41
